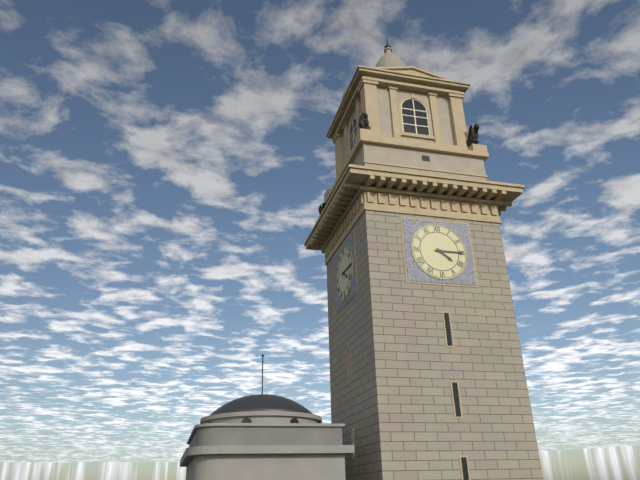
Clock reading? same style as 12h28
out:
4h15
